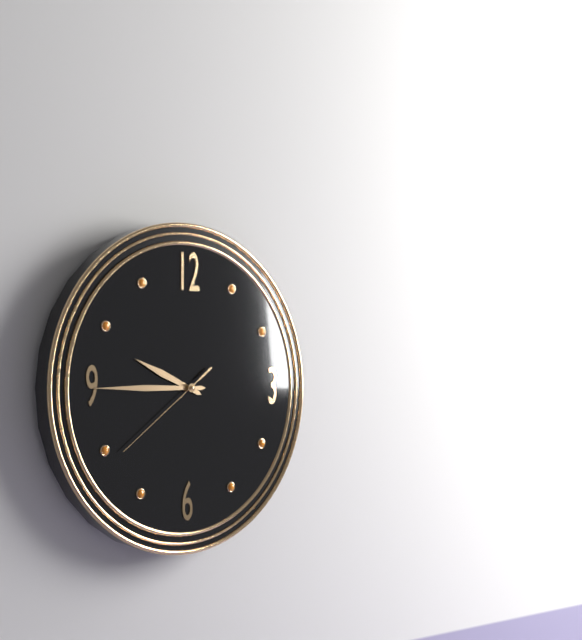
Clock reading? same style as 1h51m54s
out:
9h45m39s
